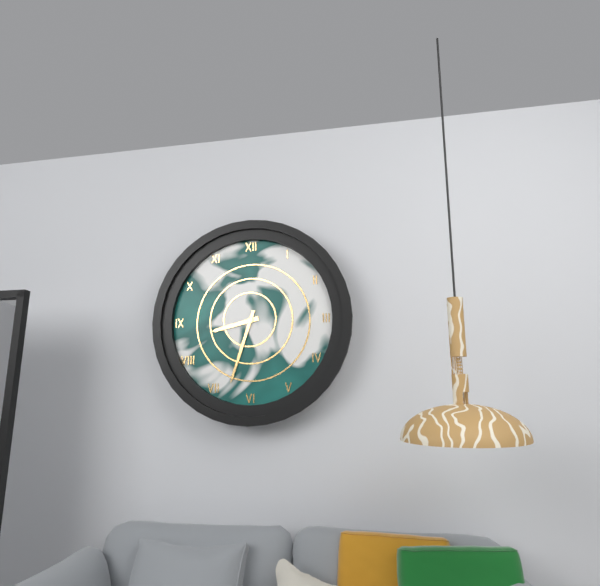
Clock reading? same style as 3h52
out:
8h33
